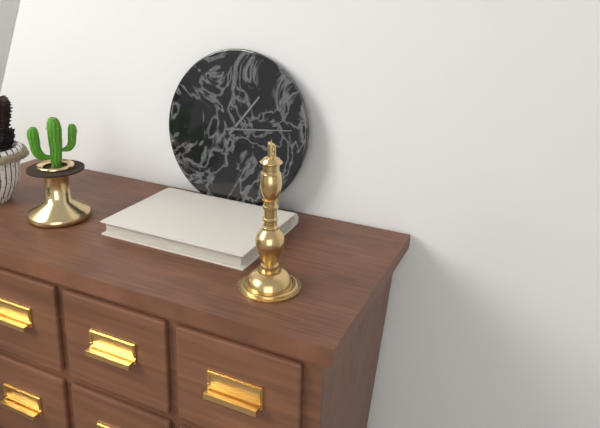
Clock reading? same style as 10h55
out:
1h14
